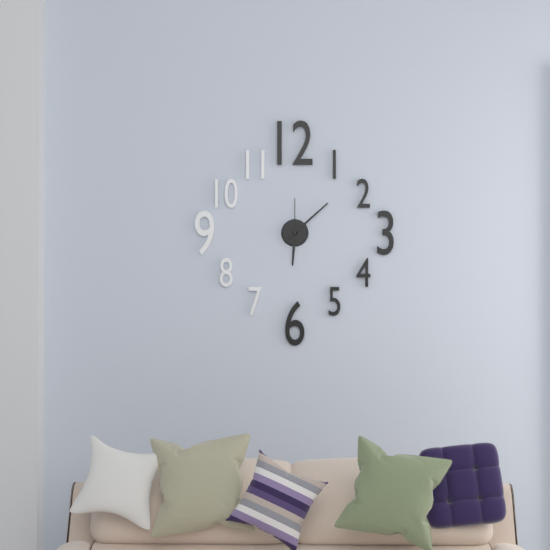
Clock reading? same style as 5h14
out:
6h08
